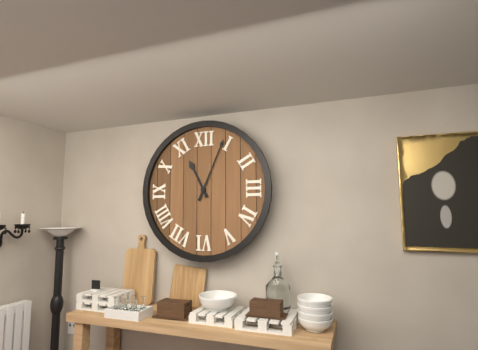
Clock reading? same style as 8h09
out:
11h04
